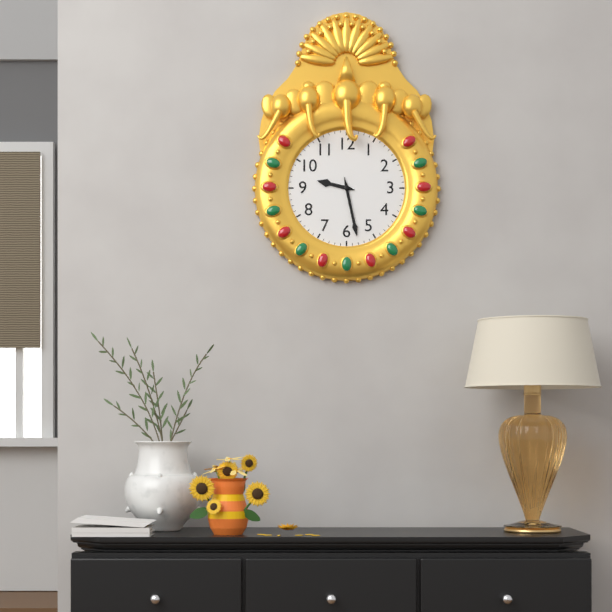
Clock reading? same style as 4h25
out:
9h28
